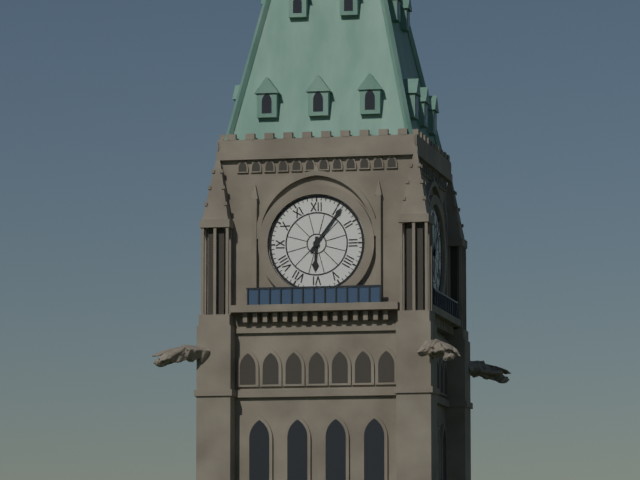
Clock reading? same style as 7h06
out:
6h06
